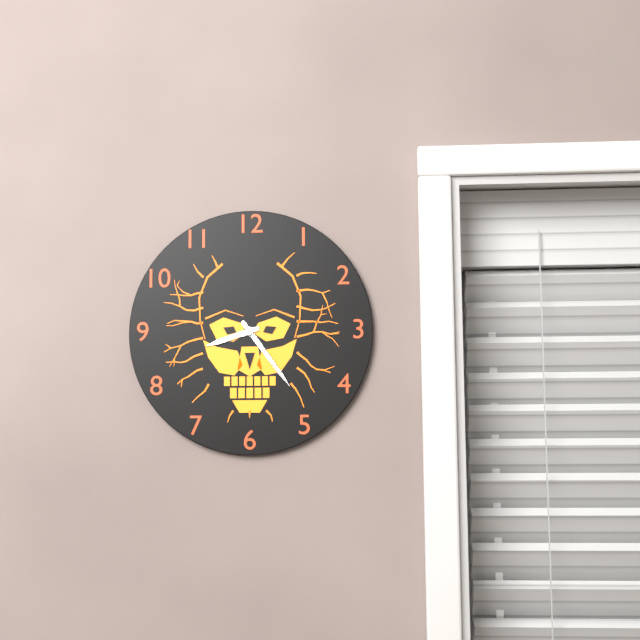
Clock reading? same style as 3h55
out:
8h24
